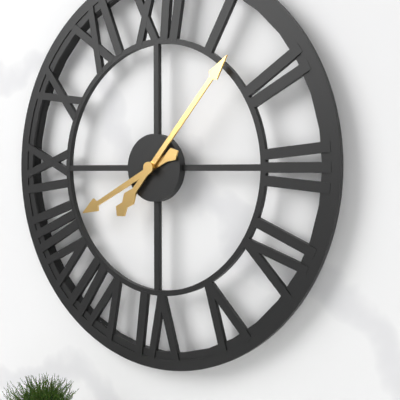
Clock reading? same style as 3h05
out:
8h07
